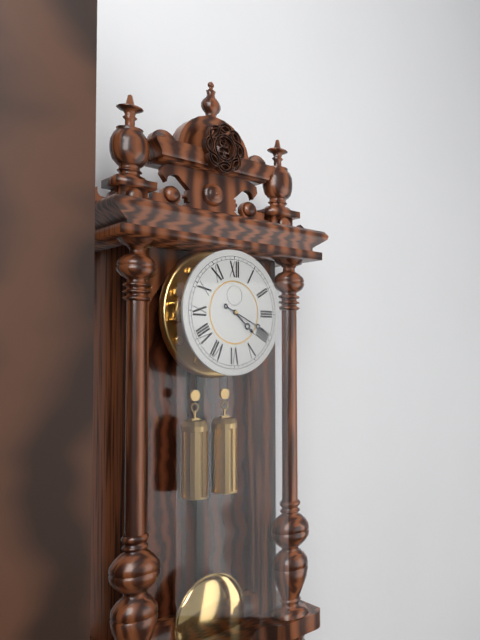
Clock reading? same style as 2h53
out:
4h19
